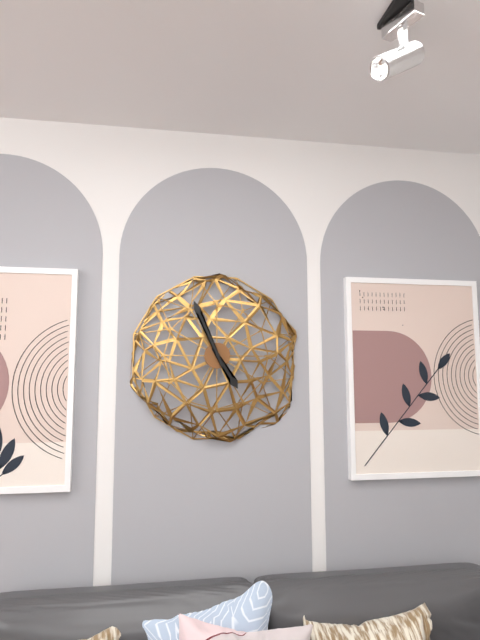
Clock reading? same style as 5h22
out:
4h56
